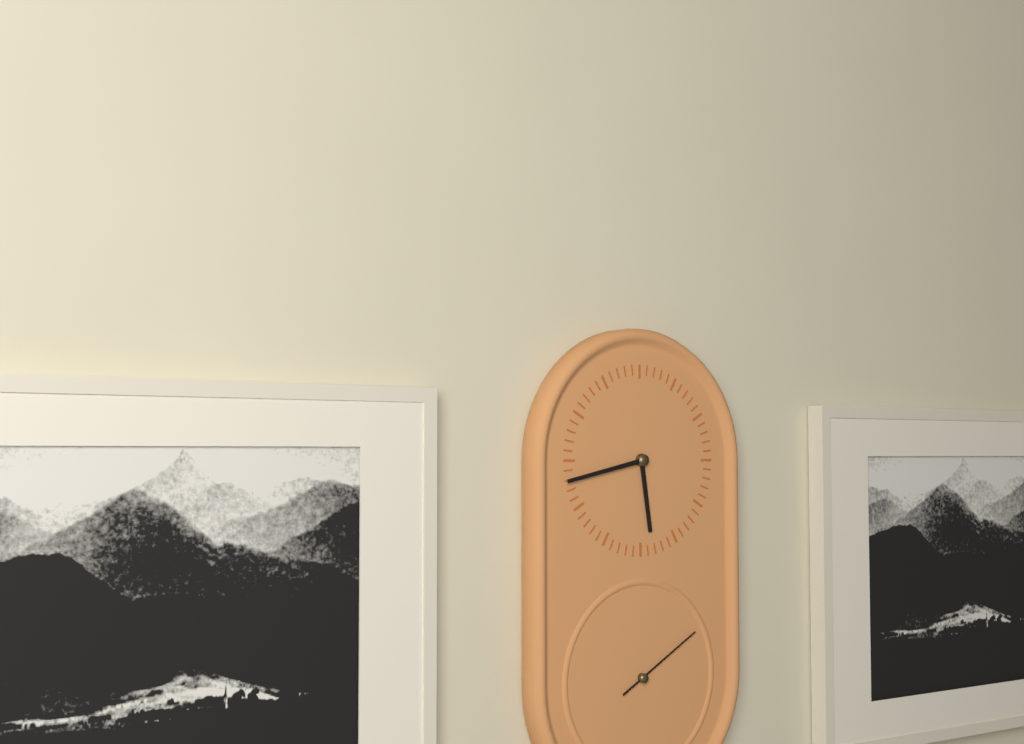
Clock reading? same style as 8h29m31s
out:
5h43m10s
